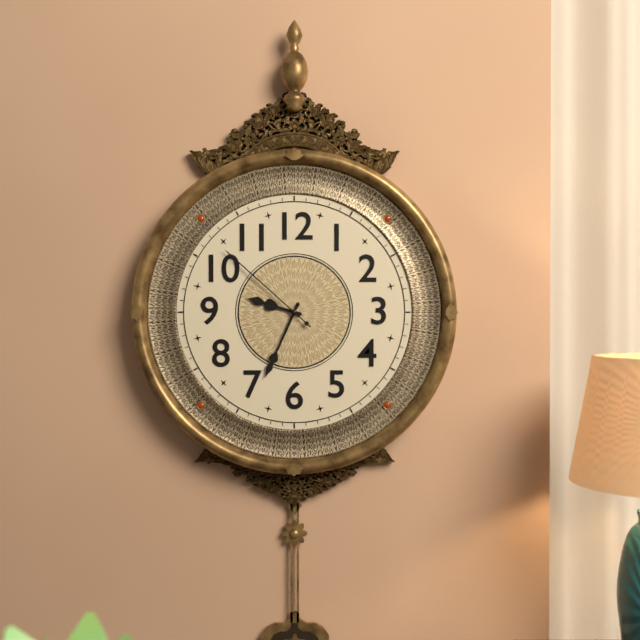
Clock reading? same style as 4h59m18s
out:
9h34m52s
